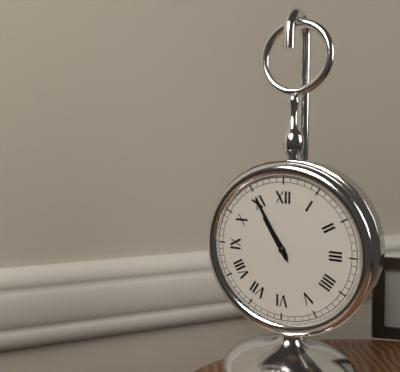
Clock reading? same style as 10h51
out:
10h55
